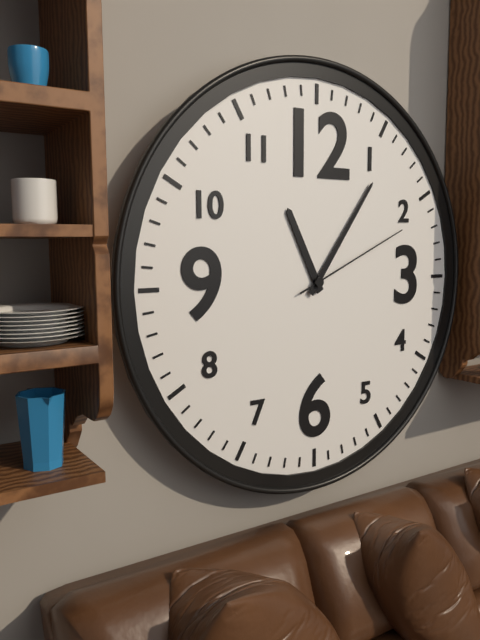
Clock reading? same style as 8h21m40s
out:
11h06m11s
